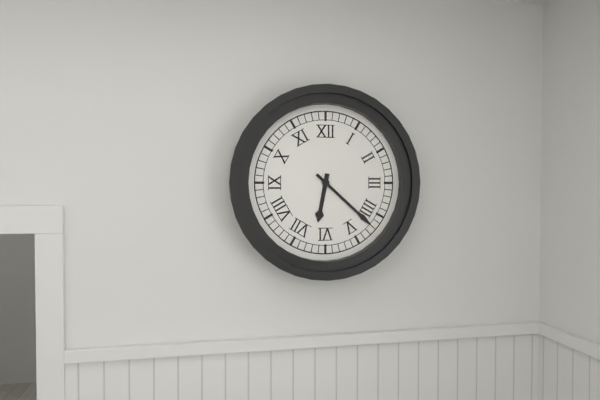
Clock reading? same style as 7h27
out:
6h22
